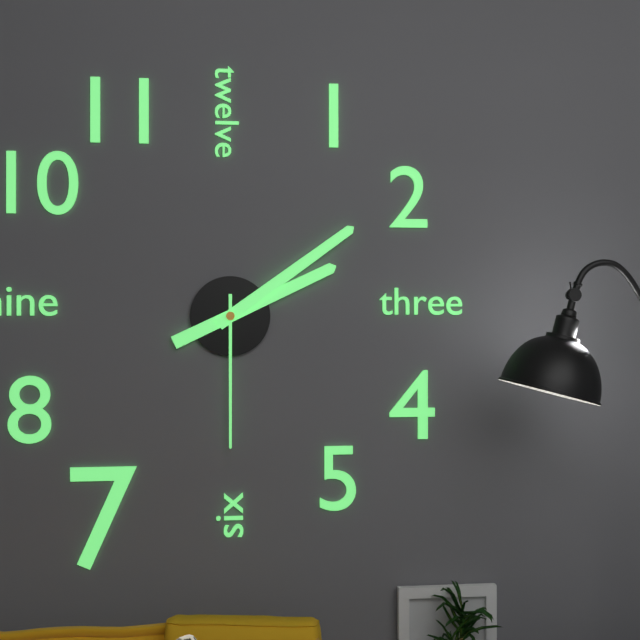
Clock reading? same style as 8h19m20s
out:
2h09m30s
